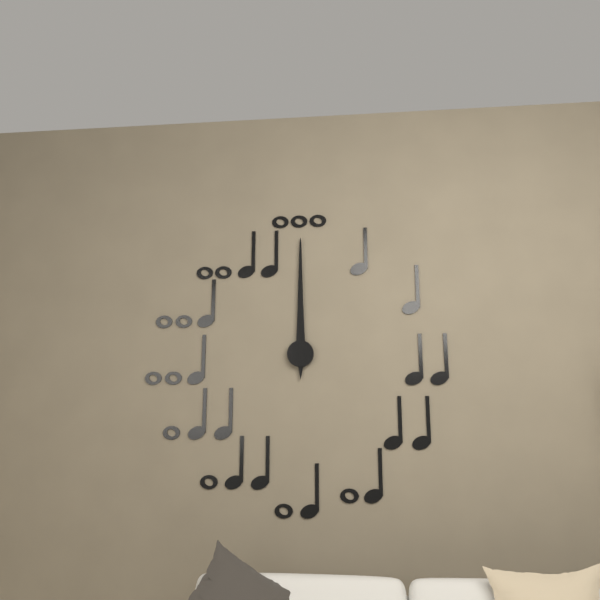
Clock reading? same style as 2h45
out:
12h00
